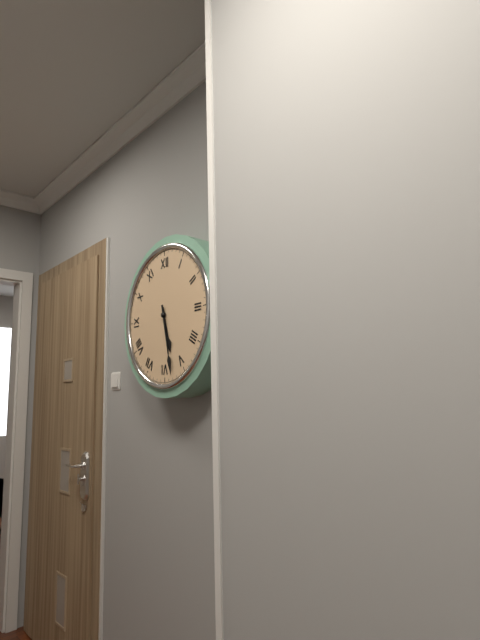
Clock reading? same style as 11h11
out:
5h28
